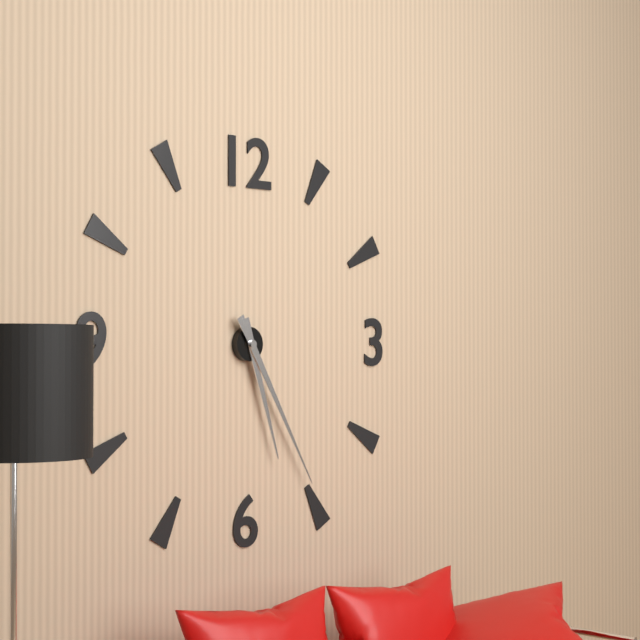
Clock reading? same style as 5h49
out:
5h25
